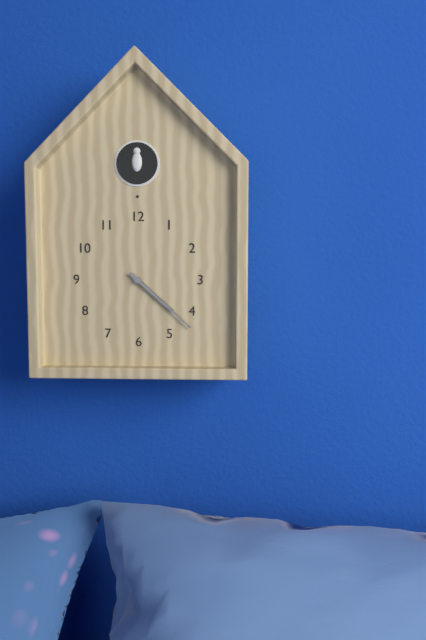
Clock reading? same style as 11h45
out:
4h22
